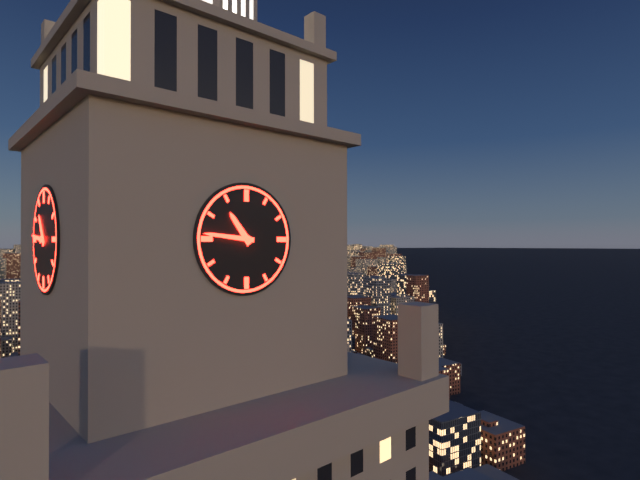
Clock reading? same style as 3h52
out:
10h46
